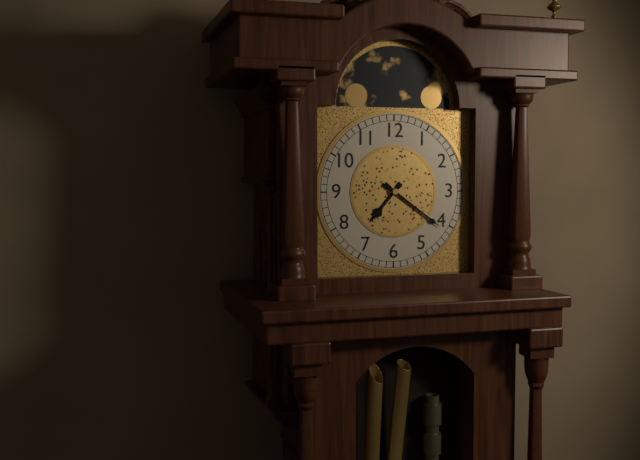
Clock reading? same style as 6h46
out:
7h21
